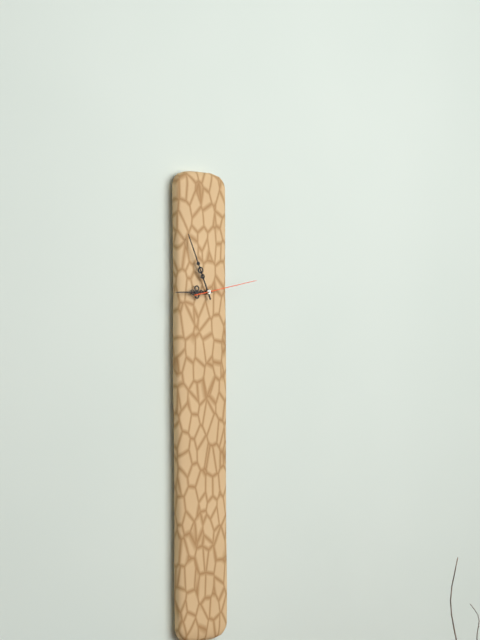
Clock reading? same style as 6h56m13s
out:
8h56m13s
